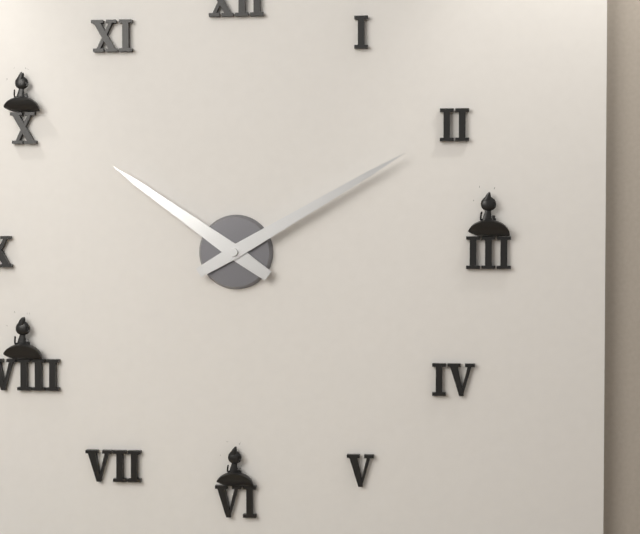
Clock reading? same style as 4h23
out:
10h10
